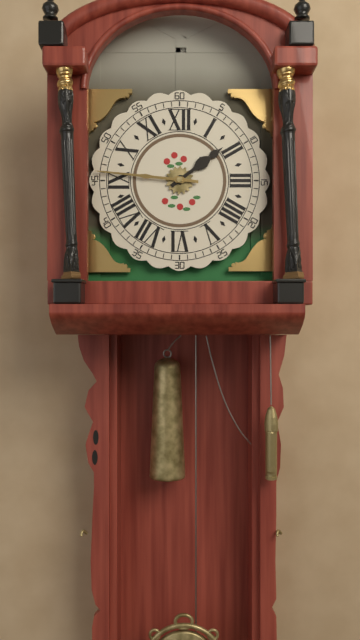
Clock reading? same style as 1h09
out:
1h46
